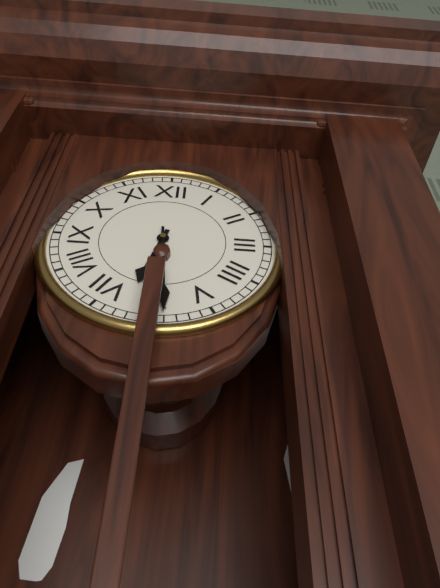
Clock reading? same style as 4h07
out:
6h29
